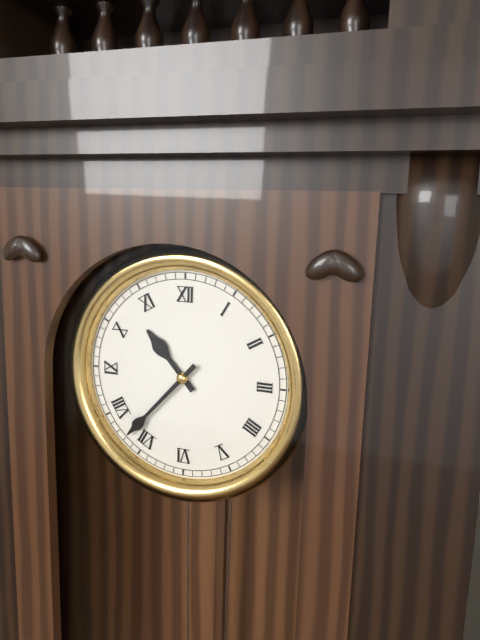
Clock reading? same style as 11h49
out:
10h37
